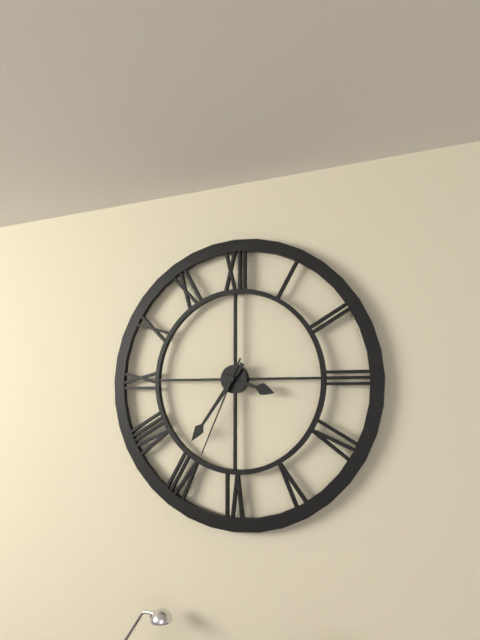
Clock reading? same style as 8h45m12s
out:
3h36m34s
